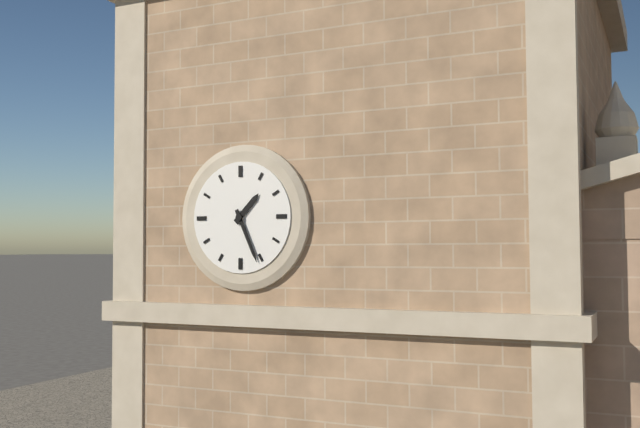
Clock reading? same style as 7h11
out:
1h26
